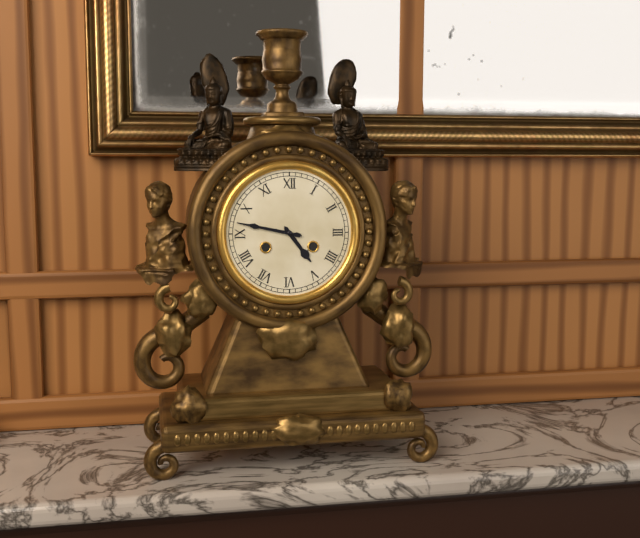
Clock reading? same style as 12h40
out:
4h47
